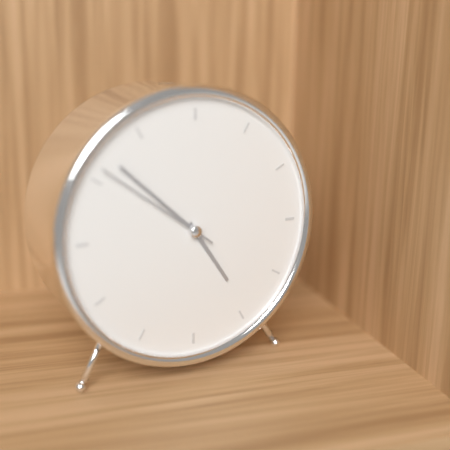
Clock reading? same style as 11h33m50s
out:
4h52m51s
